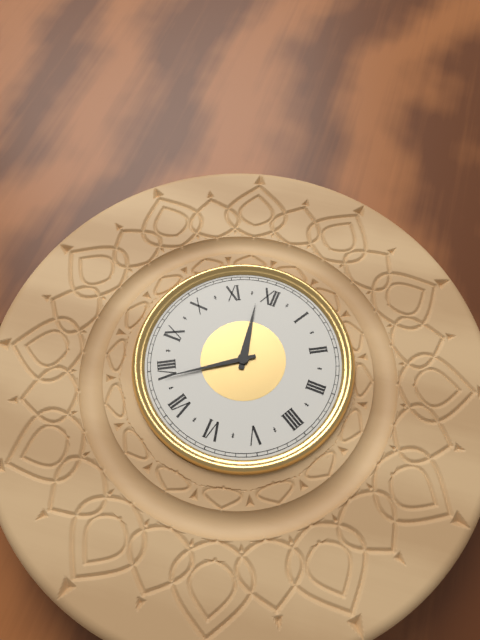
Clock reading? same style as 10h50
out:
11h39
